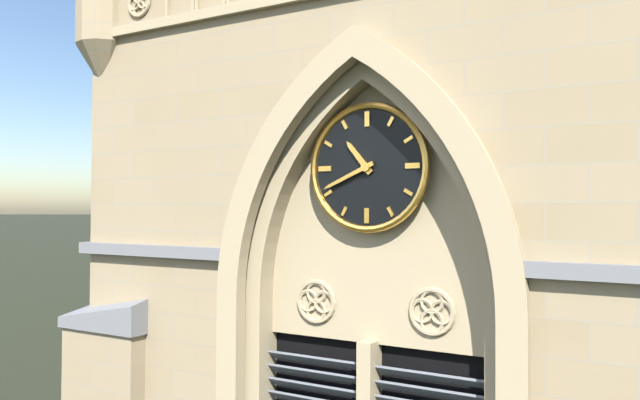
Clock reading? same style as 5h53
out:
10h41
